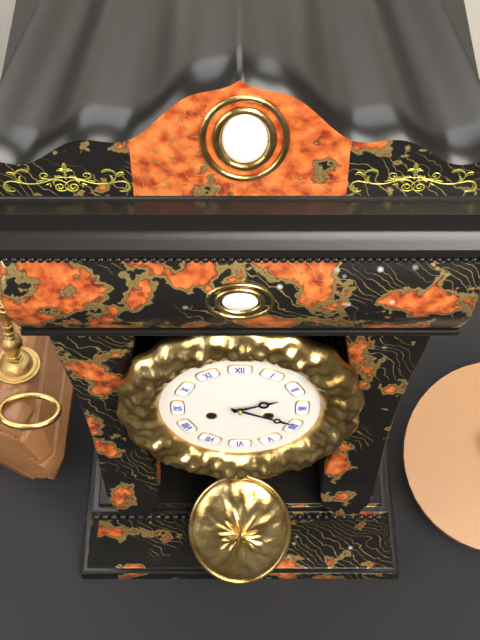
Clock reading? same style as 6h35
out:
2h19
